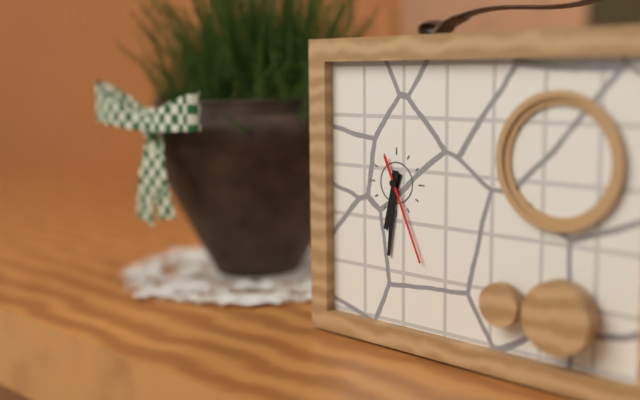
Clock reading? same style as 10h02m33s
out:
6h31m26s
